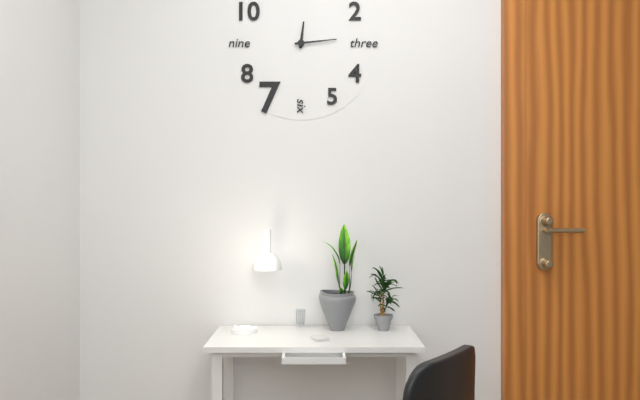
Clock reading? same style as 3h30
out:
12h14
